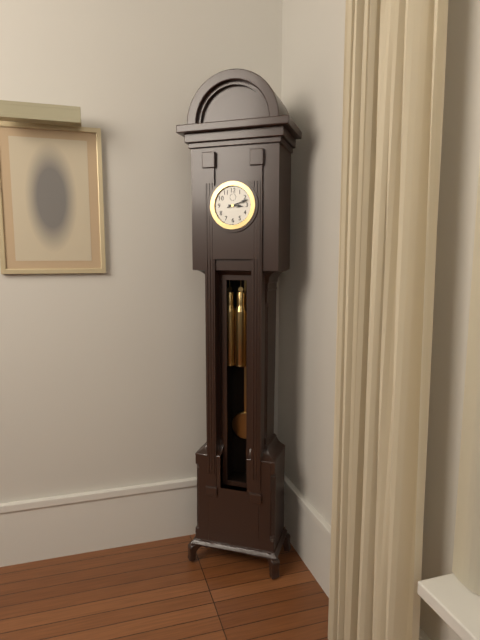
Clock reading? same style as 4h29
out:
3h12
